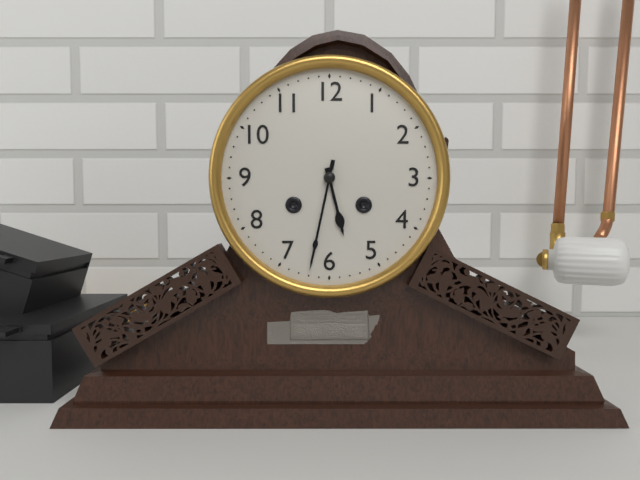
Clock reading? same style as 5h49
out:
5h32
